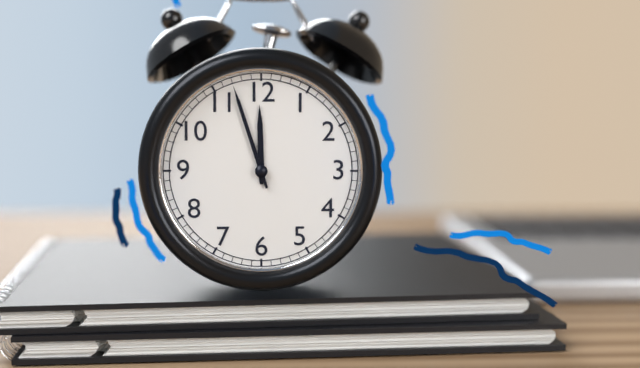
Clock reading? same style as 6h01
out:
11h57
